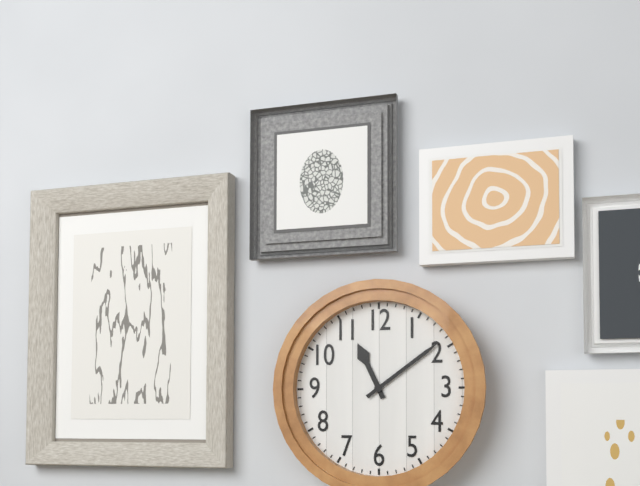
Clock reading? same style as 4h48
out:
11h09
